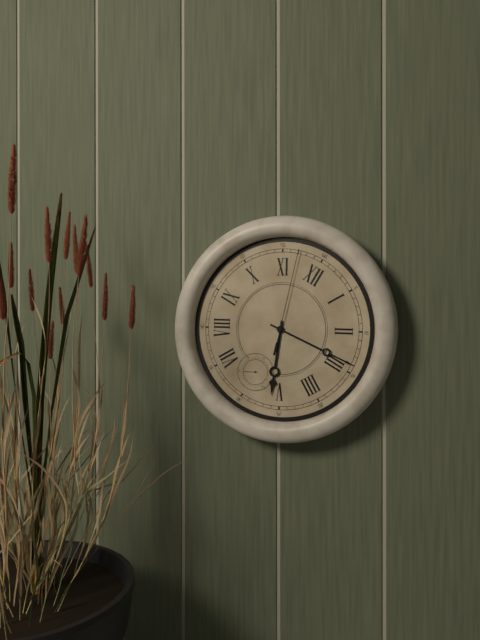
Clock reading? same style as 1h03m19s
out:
5h14m57s
